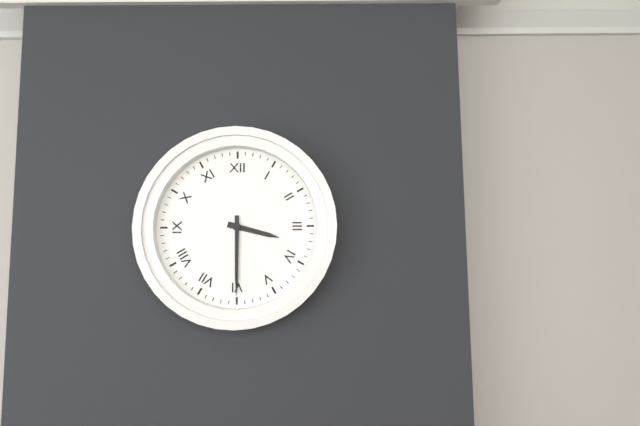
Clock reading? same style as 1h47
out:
3h30
